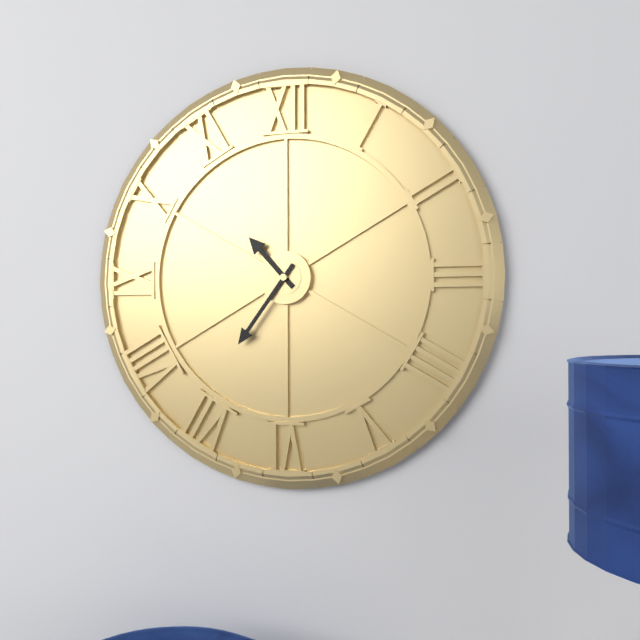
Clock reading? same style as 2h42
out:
10h36
